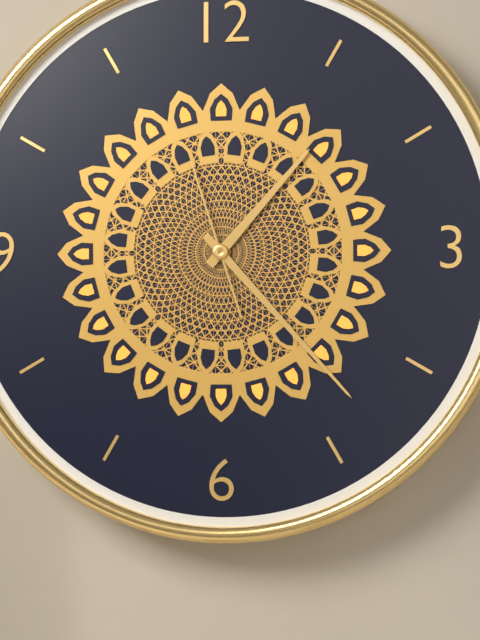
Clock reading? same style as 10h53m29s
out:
1h23m57s
